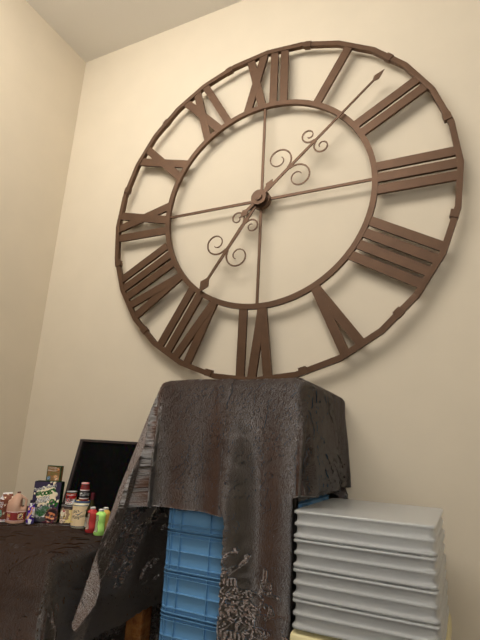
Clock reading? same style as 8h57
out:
7h08
